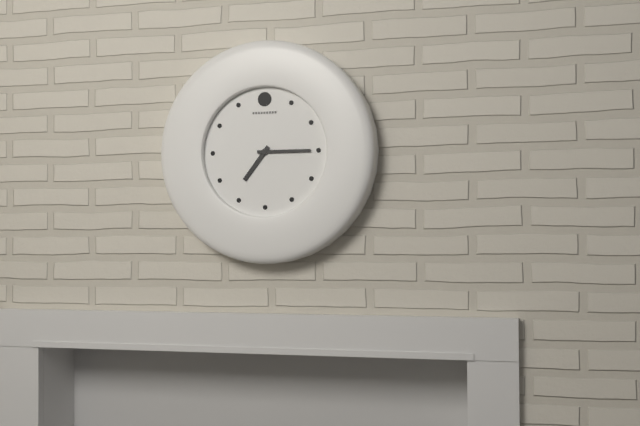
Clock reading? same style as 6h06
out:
7h15
